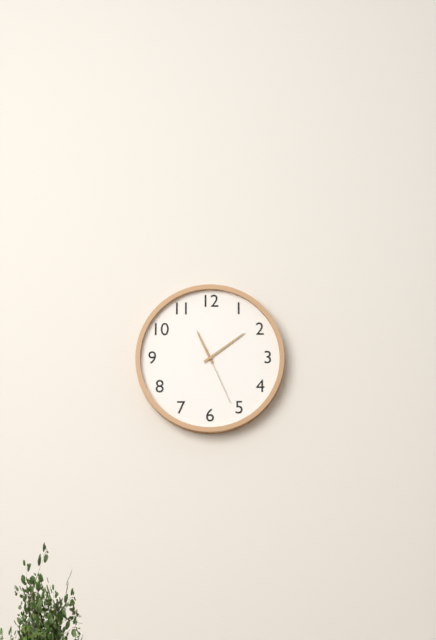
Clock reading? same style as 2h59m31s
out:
11h09m26s
